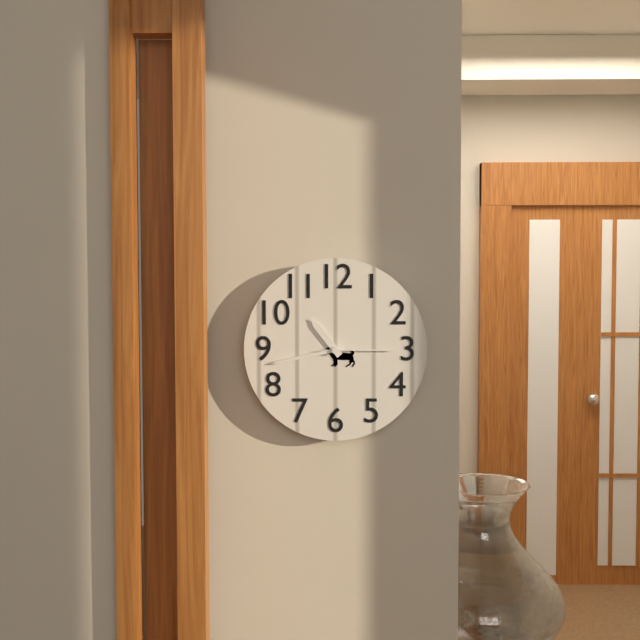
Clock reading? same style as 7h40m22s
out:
10h43m15s
